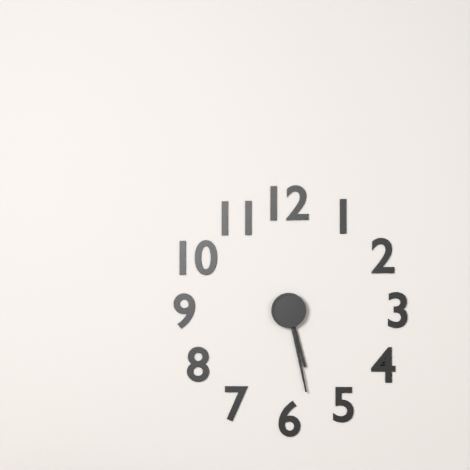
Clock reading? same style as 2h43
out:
5h28
